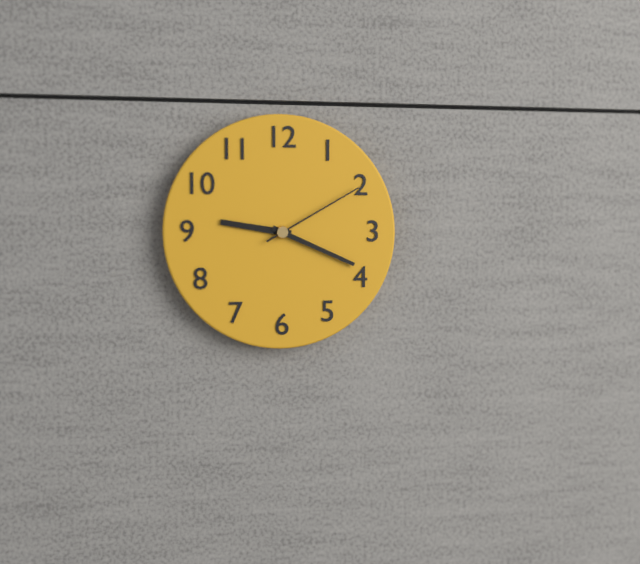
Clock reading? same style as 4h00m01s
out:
9h19m10s
